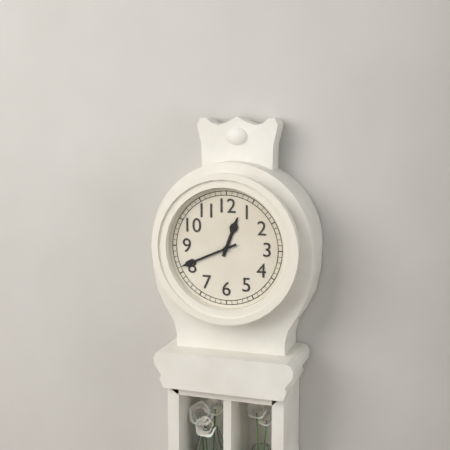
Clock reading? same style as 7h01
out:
12h41
